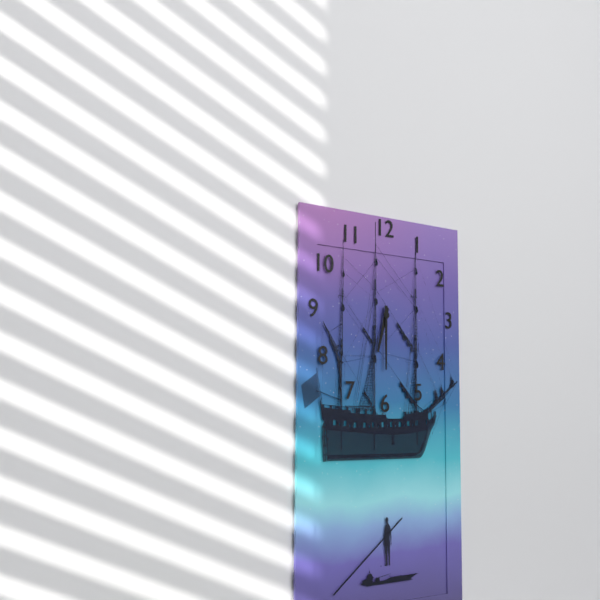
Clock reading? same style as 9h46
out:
6h30
